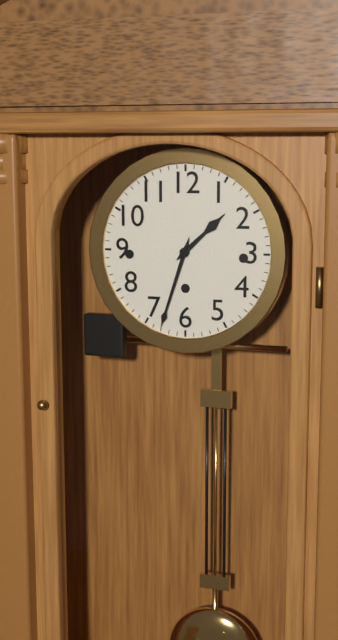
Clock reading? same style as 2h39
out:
1h33
